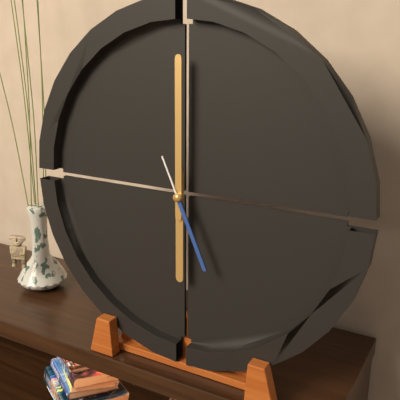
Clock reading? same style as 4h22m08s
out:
6h00m26s
